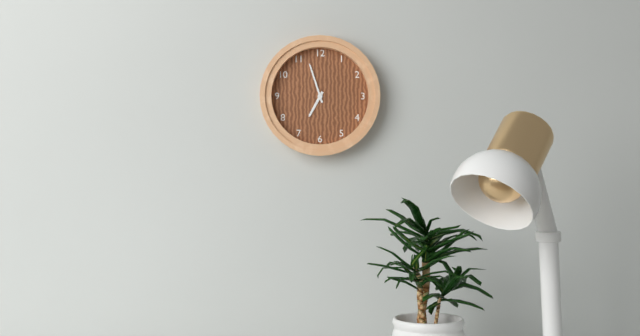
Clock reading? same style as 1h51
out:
6h57
